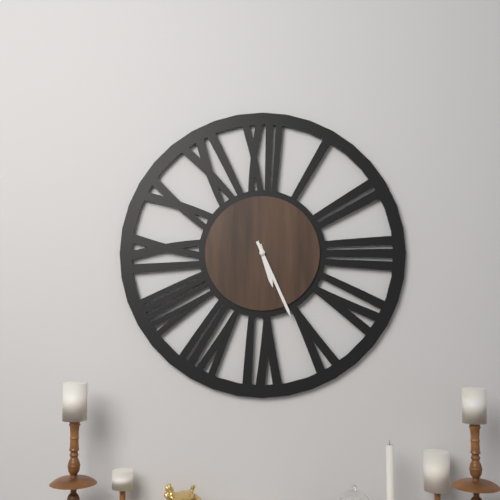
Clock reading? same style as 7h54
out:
5h26
